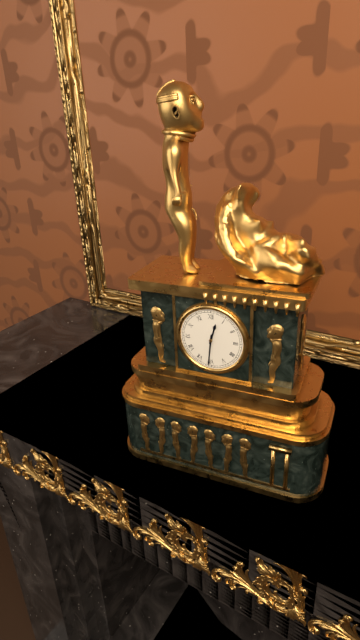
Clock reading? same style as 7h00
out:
12h31
